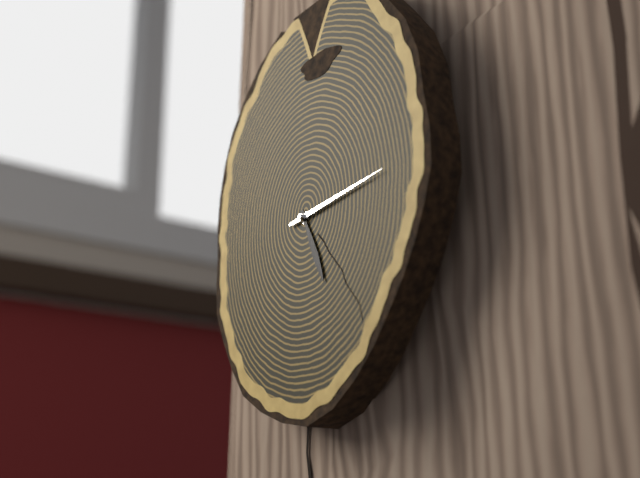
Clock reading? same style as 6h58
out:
5h14
